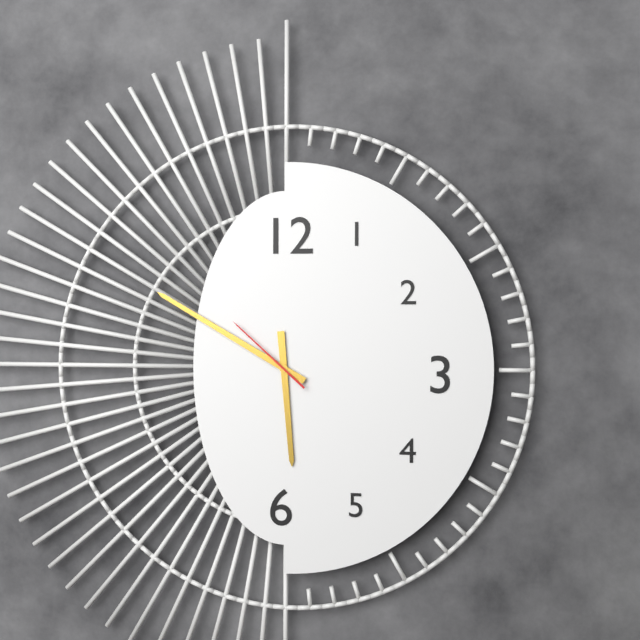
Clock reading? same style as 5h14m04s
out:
5h50m52s
